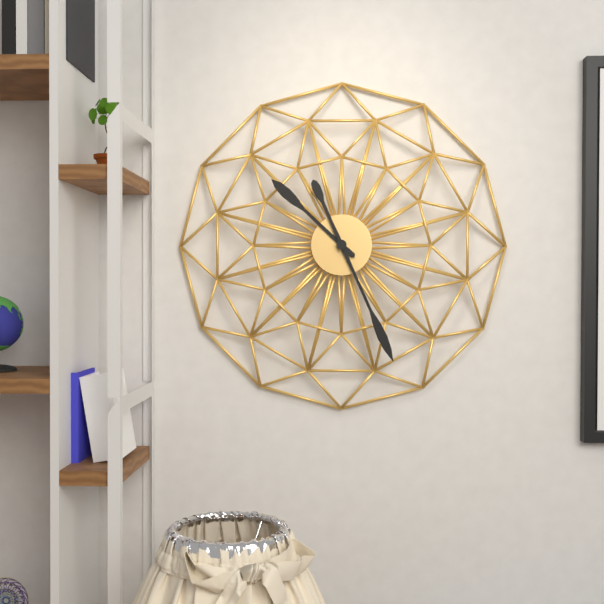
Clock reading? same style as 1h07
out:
10h26
